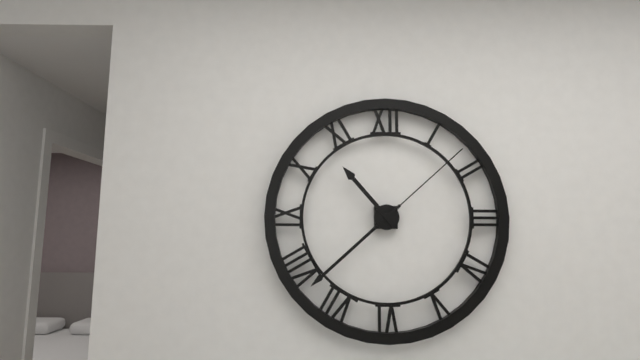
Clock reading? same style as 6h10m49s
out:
10h38m08s
